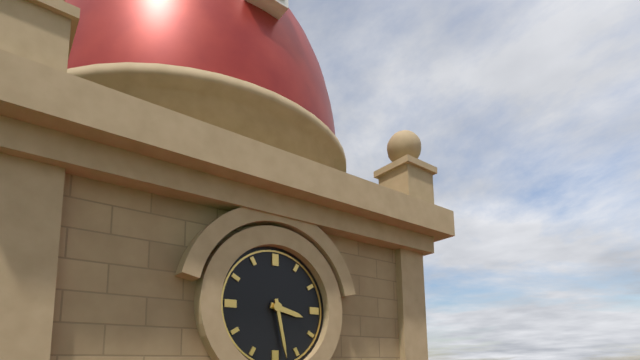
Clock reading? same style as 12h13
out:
3h28
